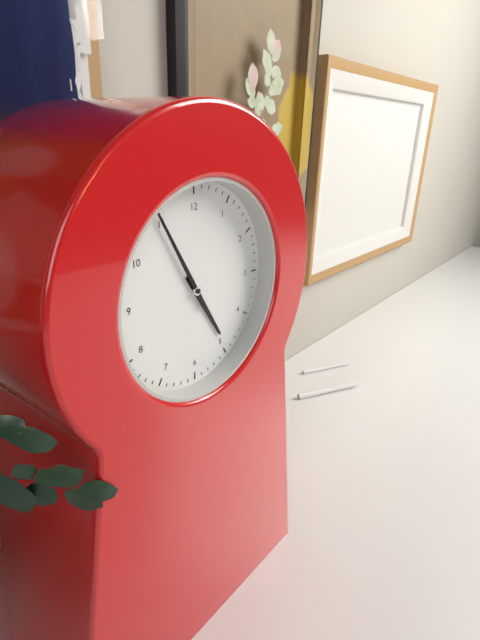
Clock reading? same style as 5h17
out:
4h55
